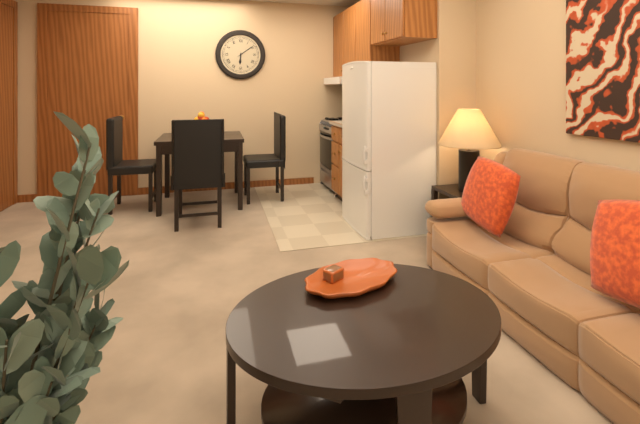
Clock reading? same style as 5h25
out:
6h09
